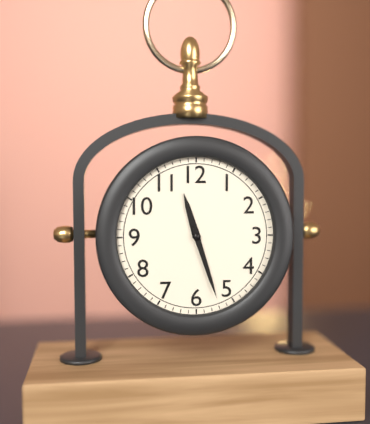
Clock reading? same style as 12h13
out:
11h27
